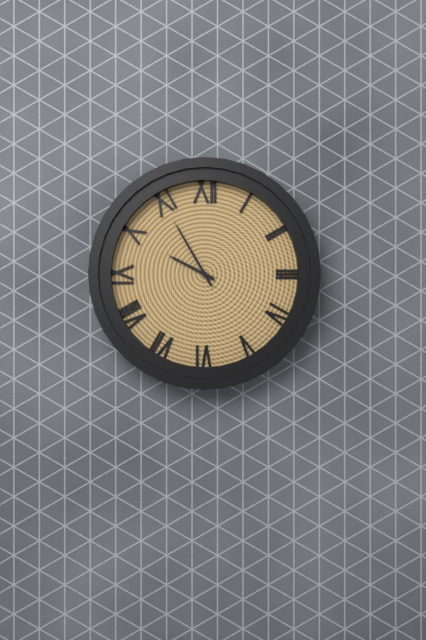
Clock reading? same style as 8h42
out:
9h55
